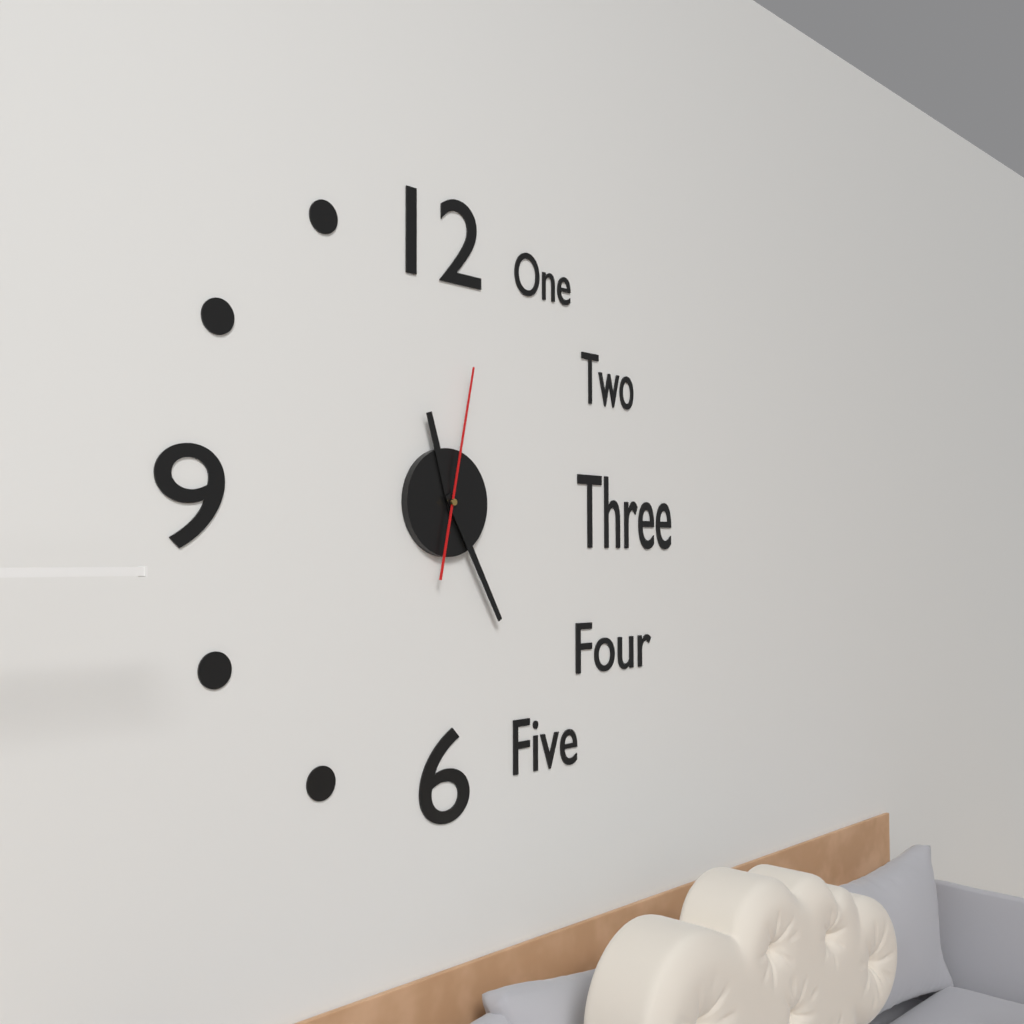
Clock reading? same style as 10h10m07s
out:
11h25m02s
